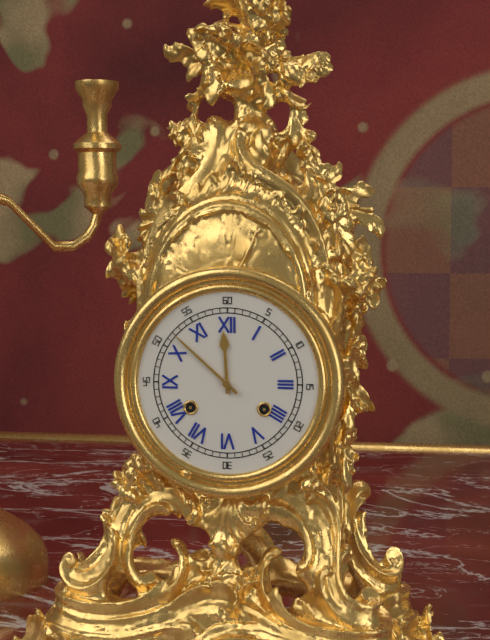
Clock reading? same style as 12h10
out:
11h52
